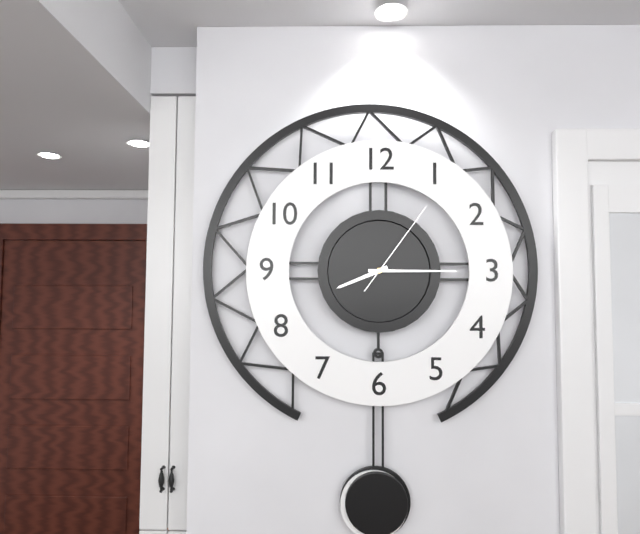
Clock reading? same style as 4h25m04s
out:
8h15m06s
